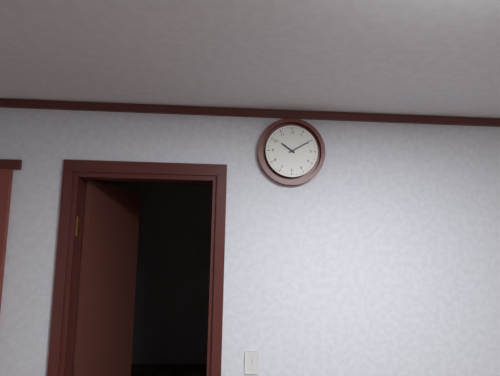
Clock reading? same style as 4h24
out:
10h10
